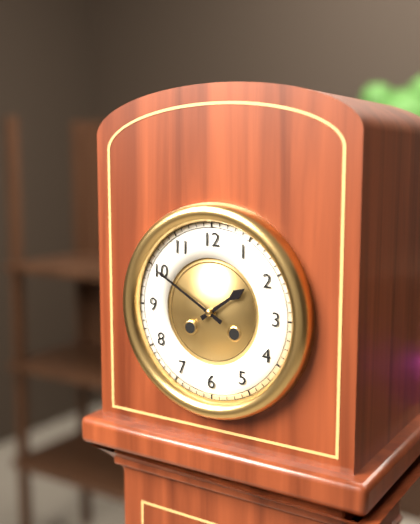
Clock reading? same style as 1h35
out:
1h50
